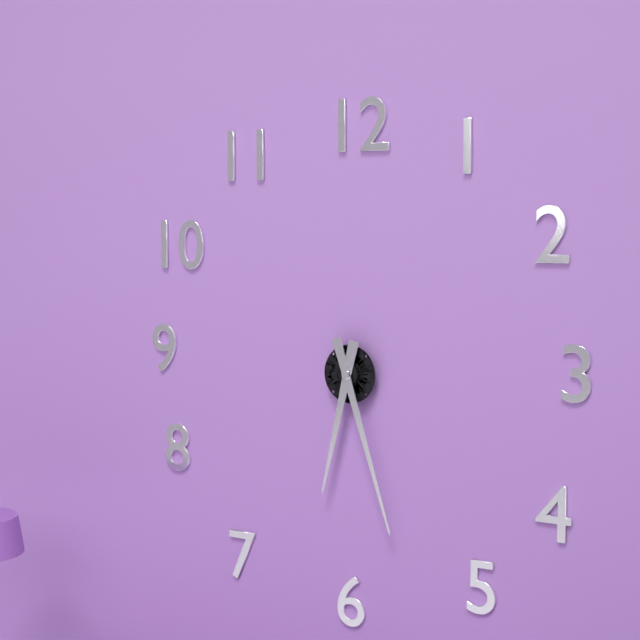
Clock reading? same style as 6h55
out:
6h27
